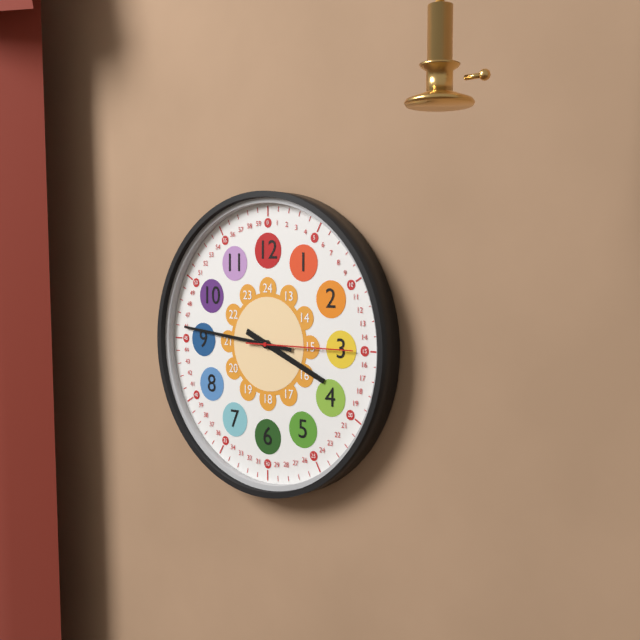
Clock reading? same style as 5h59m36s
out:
3h46m15s
